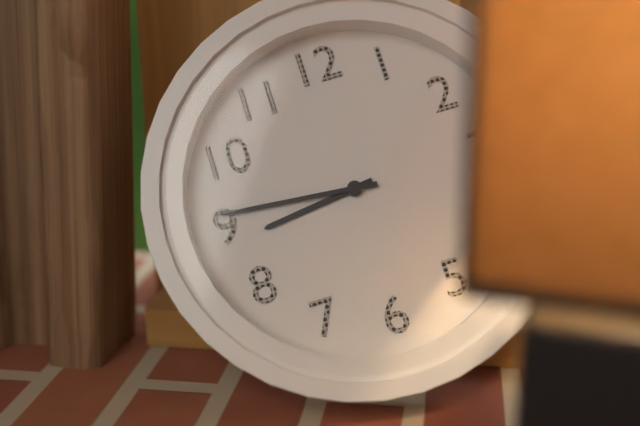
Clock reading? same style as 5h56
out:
8h46
